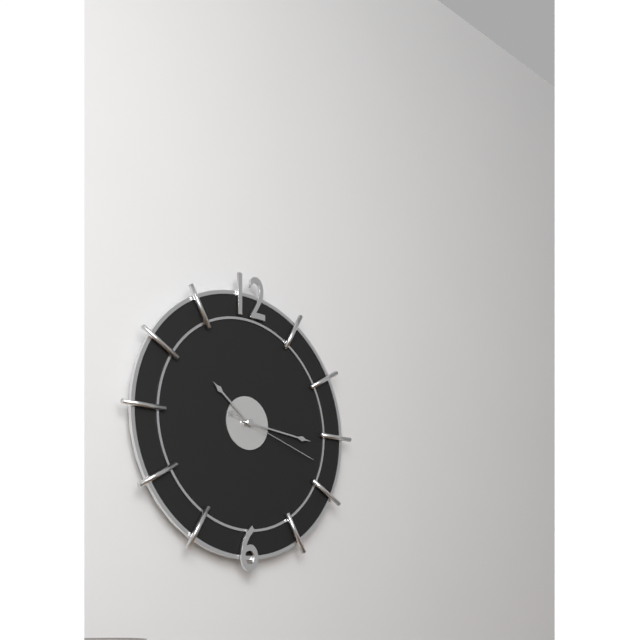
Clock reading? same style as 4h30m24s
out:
10h16m18s
